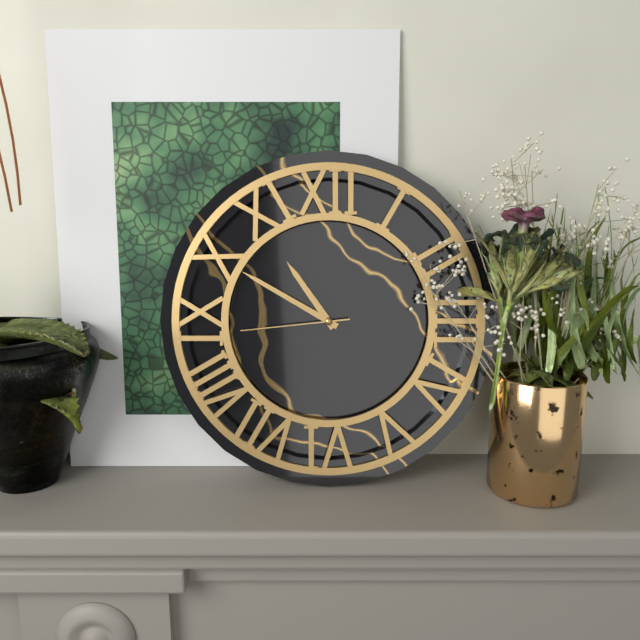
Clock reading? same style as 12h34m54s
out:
10h50m44s
